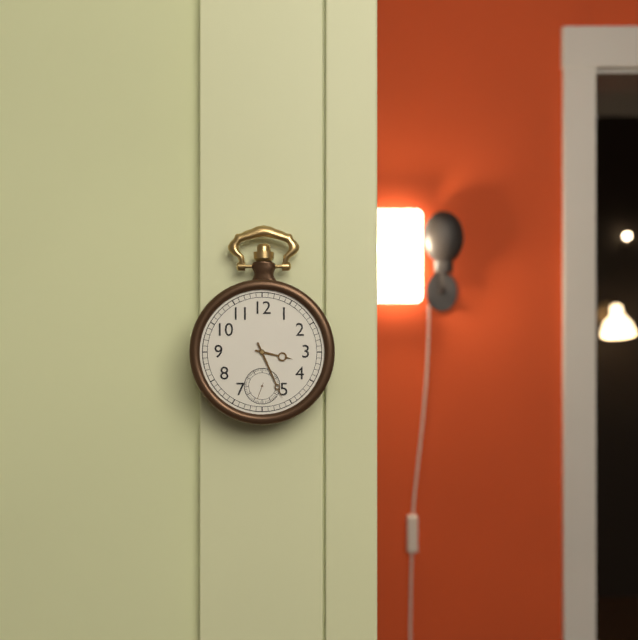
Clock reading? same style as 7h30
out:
3h26
